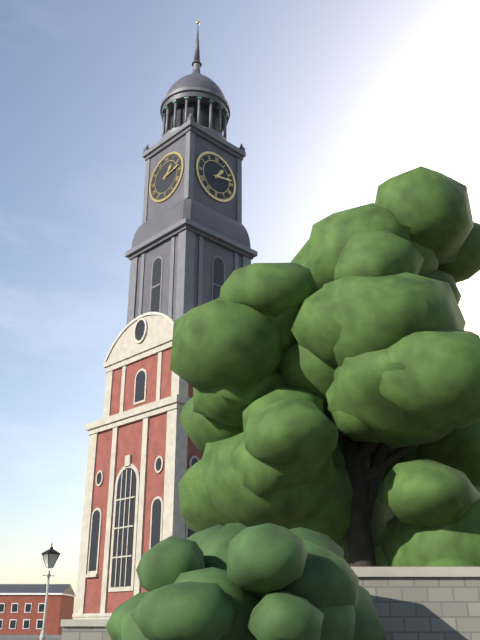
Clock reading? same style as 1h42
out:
1h13
